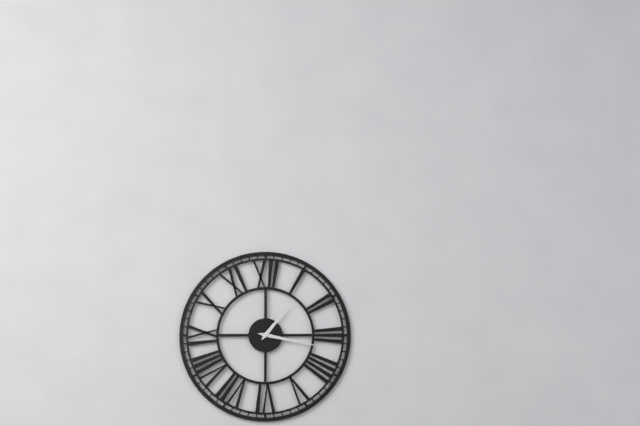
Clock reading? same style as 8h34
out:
1h17
